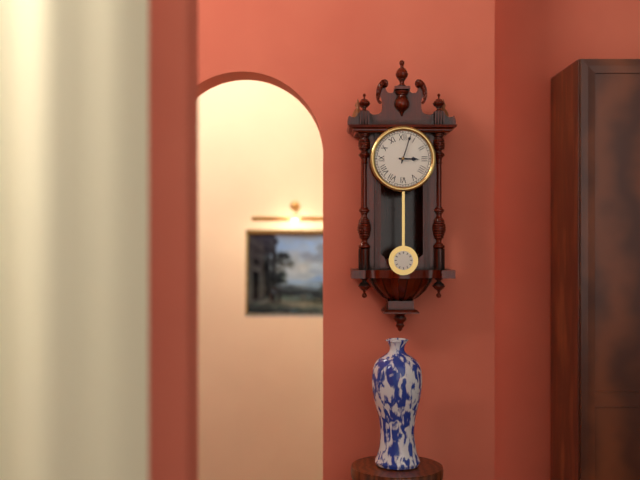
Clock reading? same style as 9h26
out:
3h03
